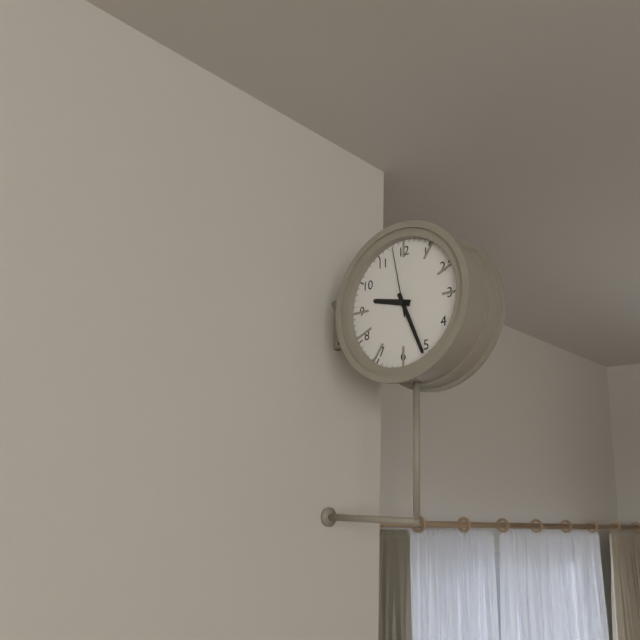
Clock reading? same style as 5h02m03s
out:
9h26m58s
